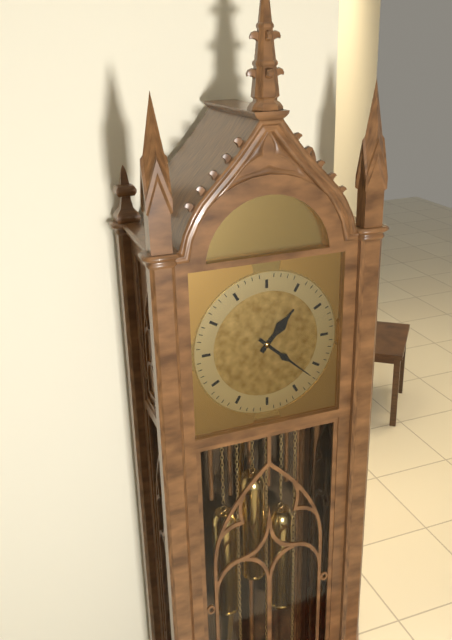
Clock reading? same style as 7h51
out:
1h22
